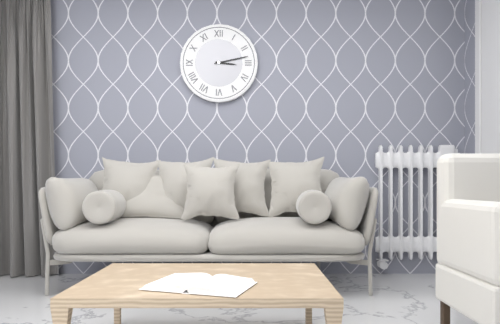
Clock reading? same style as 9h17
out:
3h13
